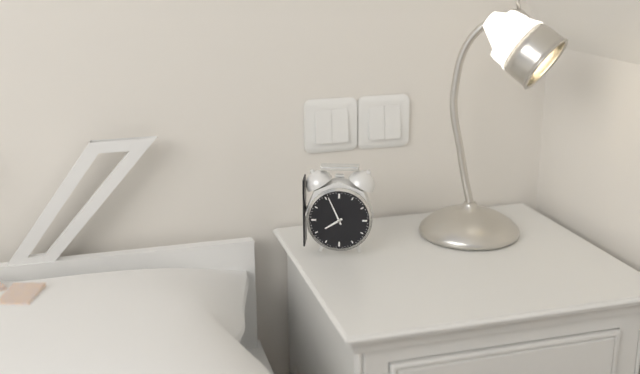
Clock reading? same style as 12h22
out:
7h56
